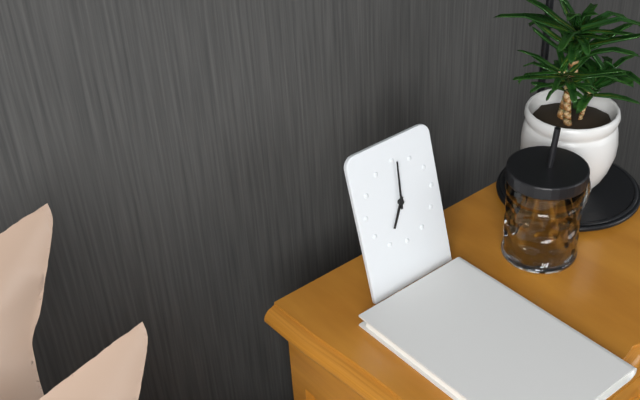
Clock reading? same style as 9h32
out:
7h01
